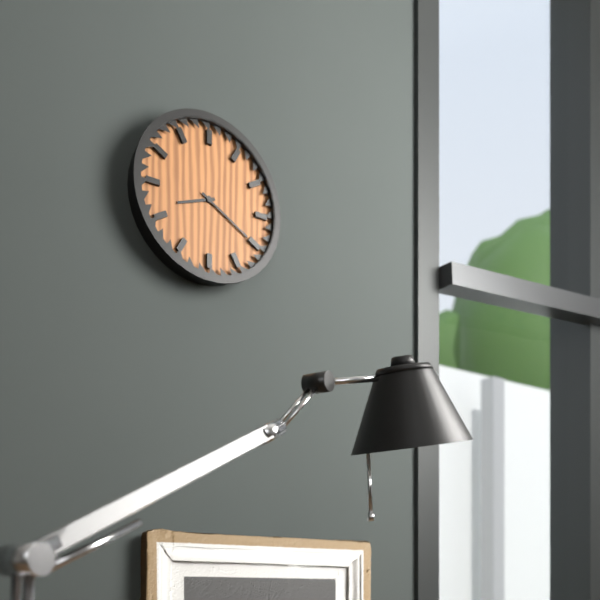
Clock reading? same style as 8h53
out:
8h20
